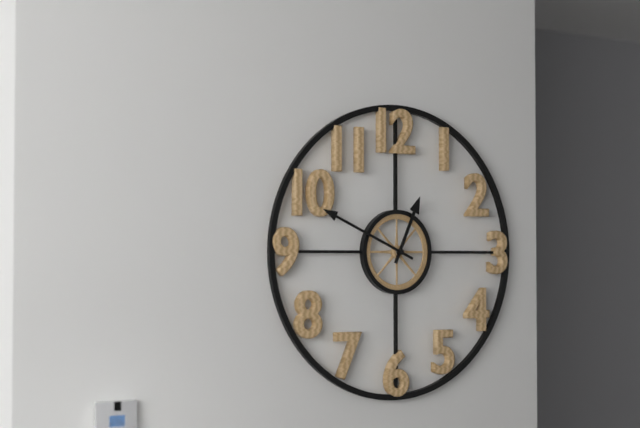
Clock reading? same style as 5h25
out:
12h49
